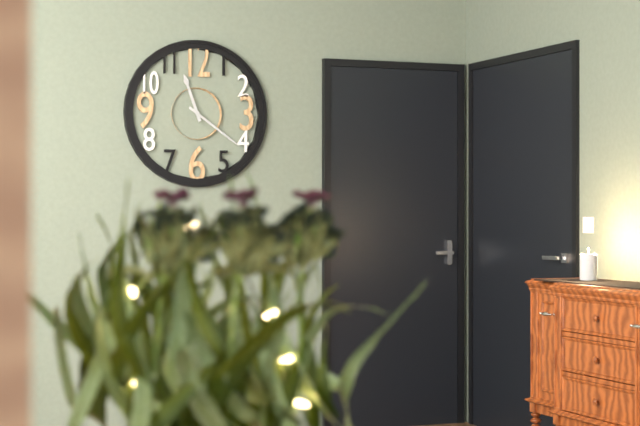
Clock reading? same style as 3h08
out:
11h21
